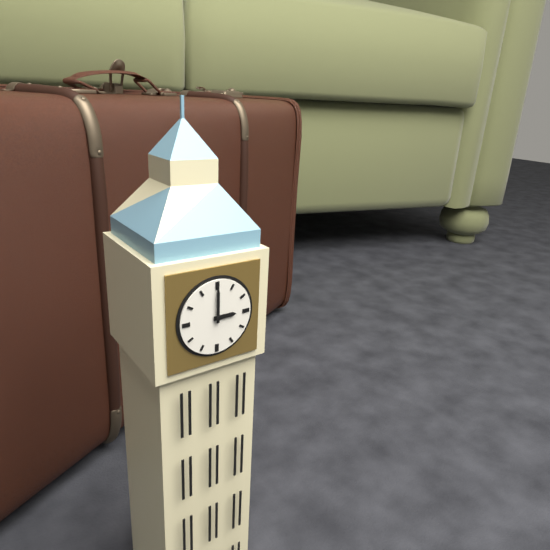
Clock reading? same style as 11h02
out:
3h00
